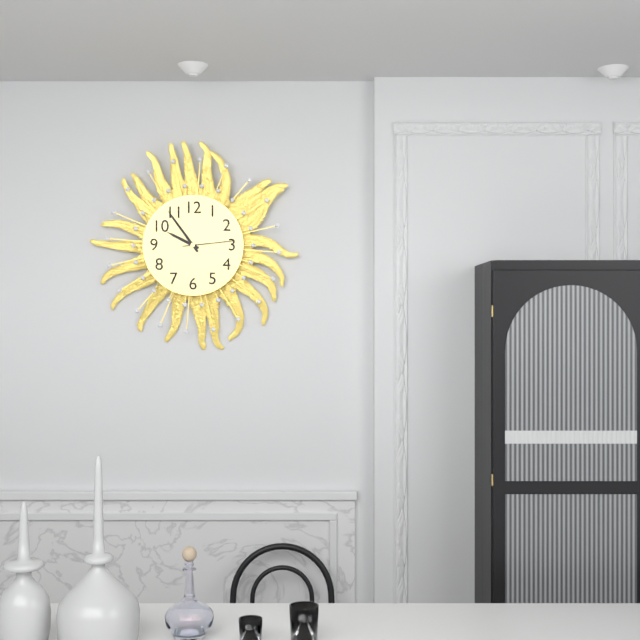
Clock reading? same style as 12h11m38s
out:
9h54m14s
